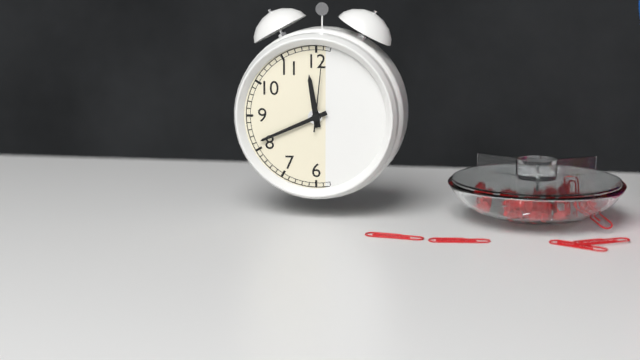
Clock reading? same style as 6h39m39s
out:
11h41m01s
